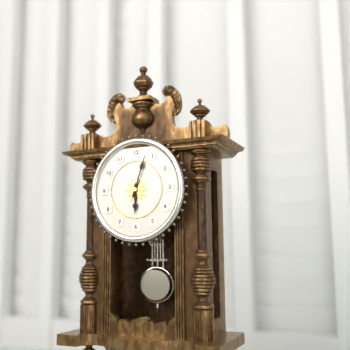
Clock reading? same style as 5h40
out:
6h03
